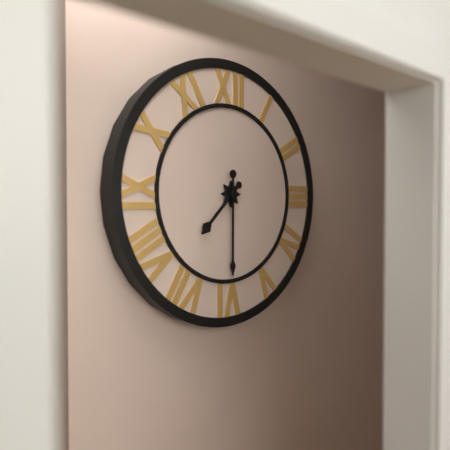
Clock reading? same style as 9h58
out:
7h30
